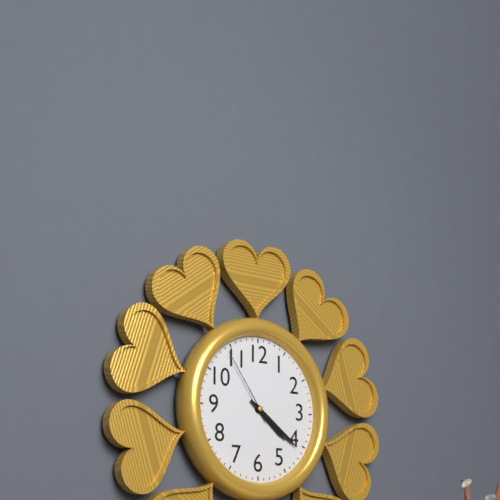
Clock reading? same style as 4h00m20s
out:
4h21m54s
